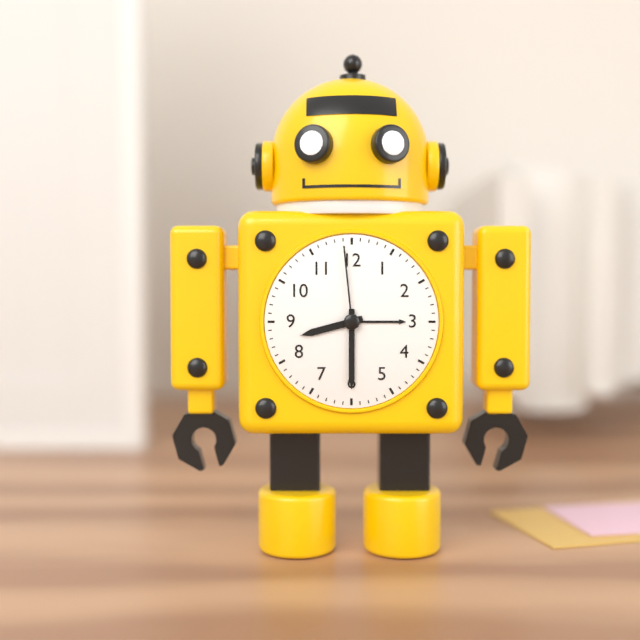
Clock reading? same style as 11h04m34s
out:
8h30m59s
